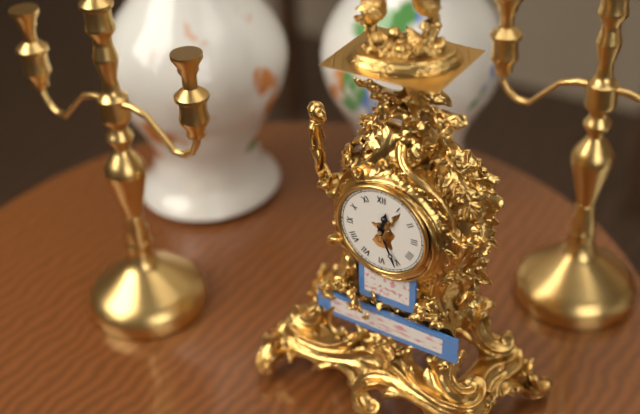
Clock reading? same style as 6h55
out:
12h26
